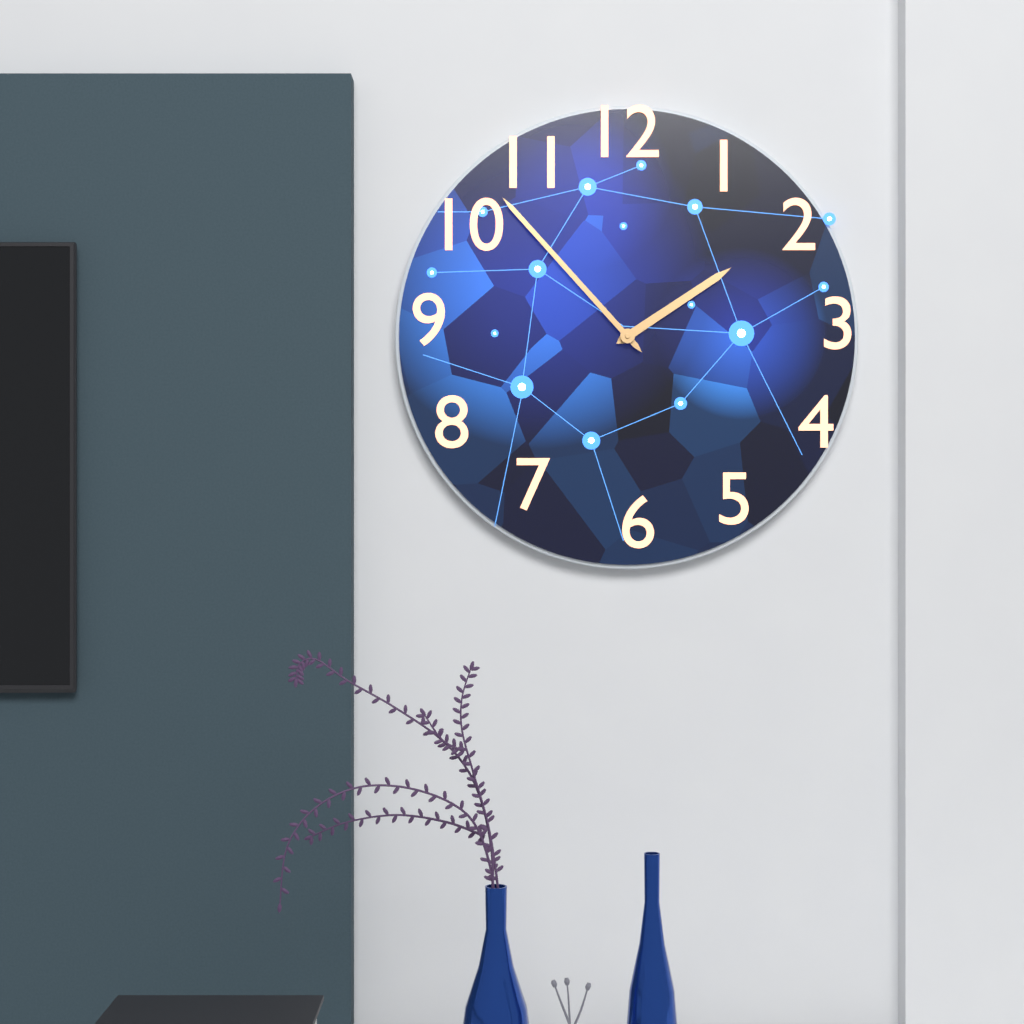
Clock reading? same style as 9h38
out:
1h53
